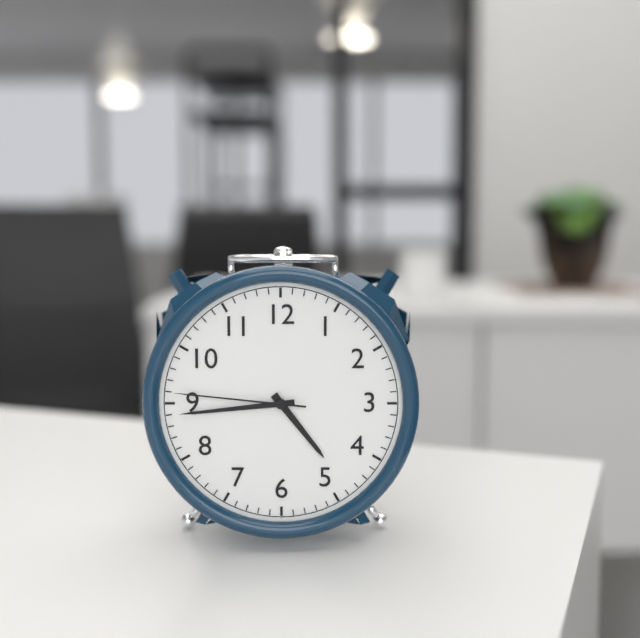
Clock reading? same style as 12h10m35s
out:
4h44m46s
